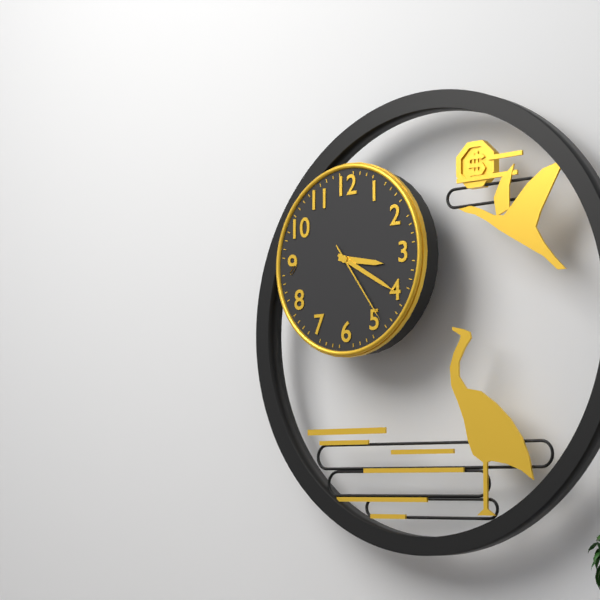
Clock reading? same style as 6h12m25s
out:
3h20m24s
